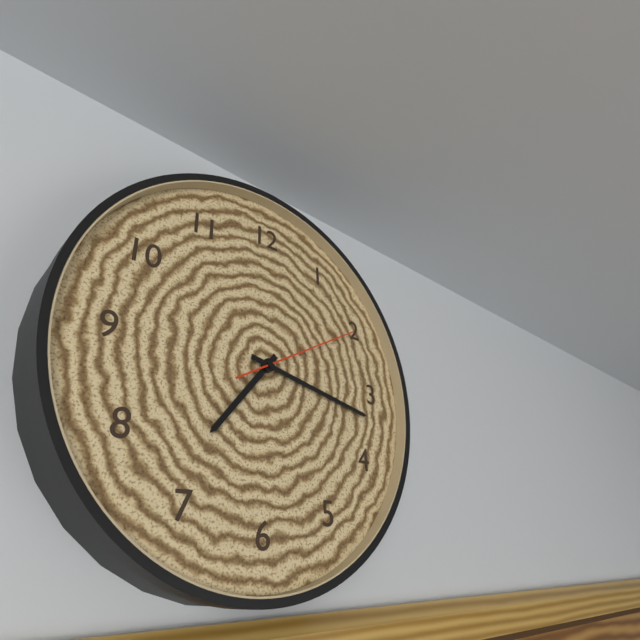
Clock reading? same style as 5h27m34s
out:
7h17m10s
